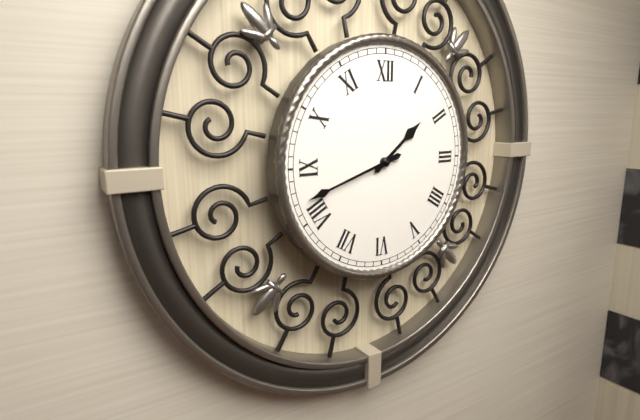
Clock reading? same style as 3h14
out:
1h42
